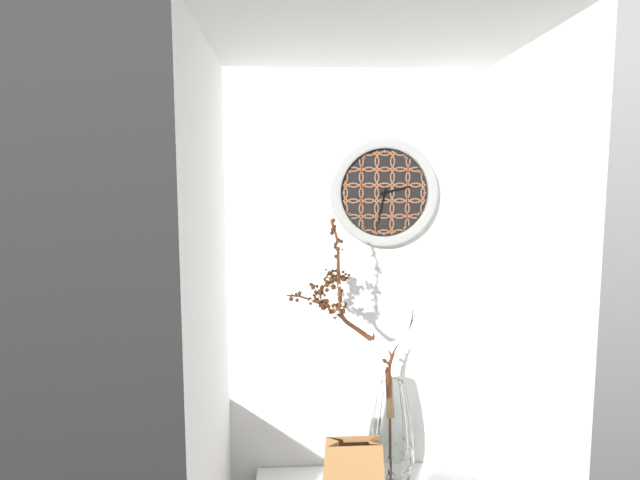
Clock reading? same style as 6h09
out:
2h32
